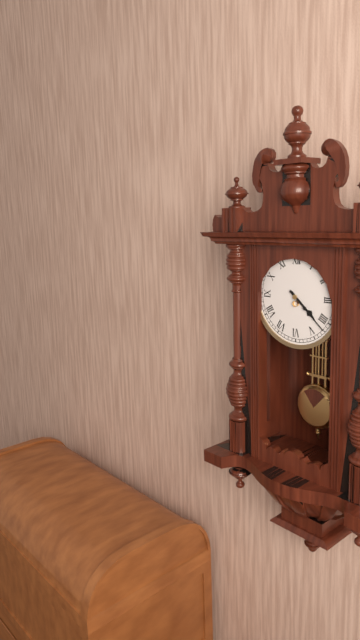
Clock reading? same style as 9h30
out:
4h22
